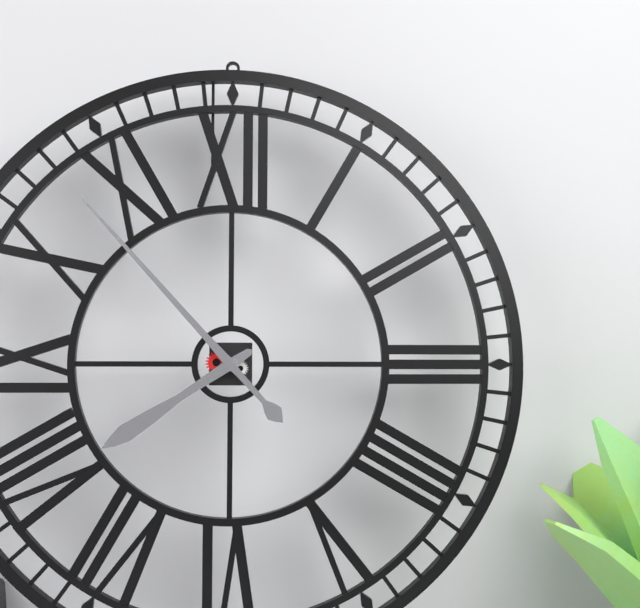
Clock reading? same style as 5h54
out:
7h53
